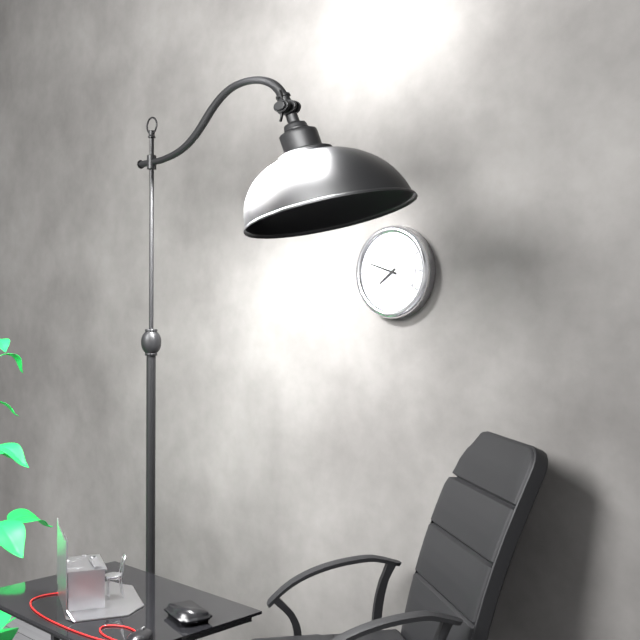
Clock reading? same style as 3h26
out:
7h48
